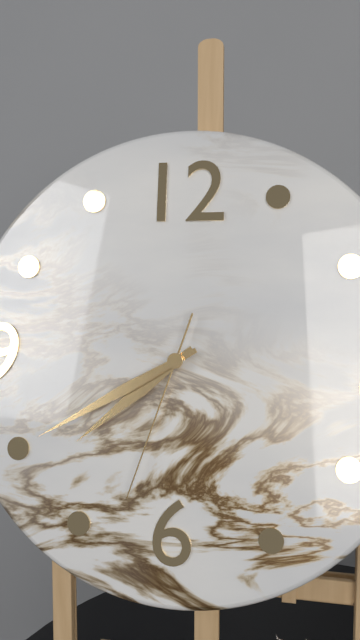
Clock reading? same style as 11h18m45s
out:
7h40m33s
